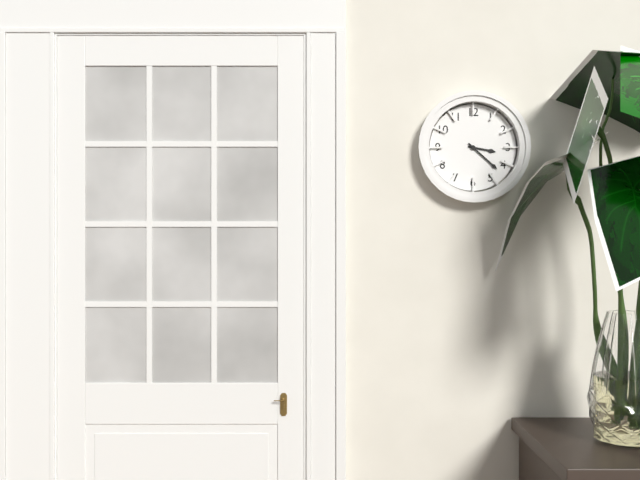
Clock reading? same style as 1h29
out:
3h22
